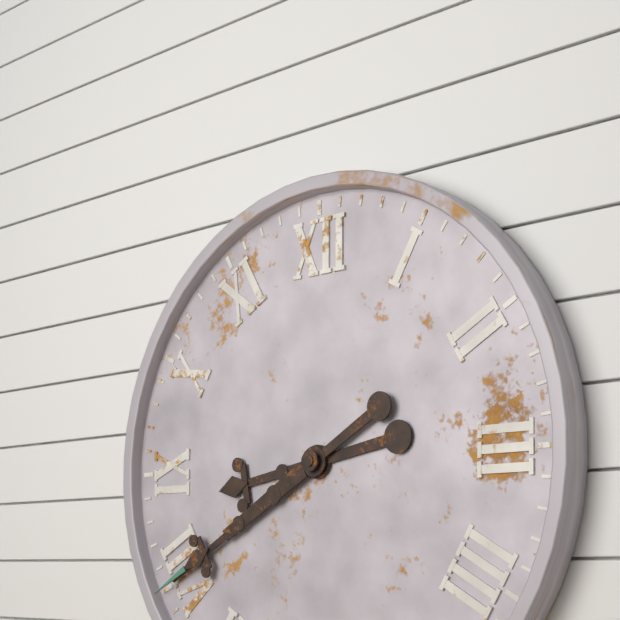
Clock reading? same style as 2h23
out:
8h40
